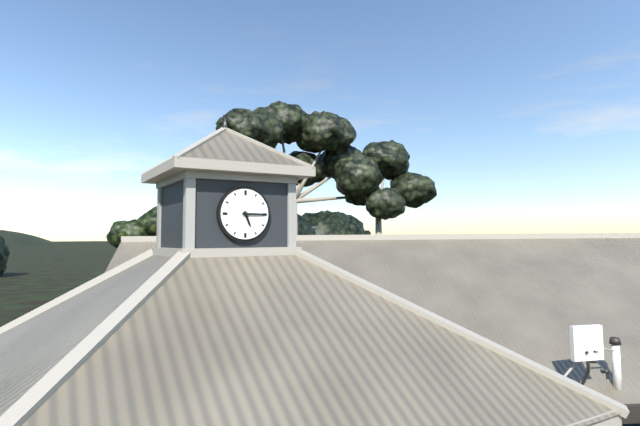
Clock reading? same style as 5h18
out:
5h15
